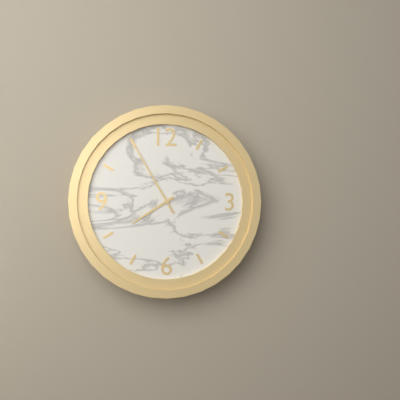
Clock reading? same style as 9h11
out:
7h55
